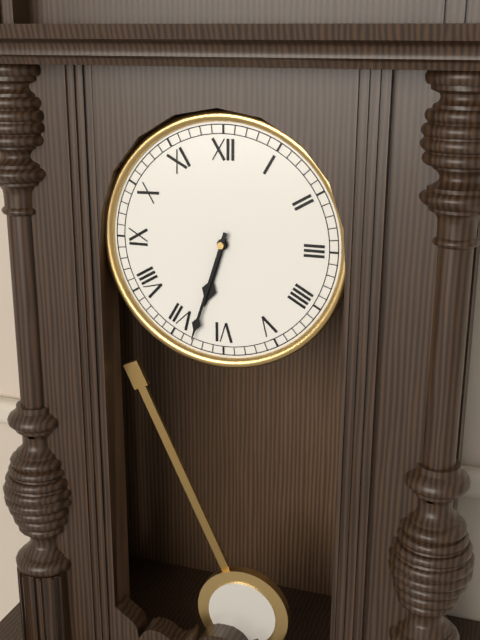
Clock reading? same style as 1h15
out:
6h33
